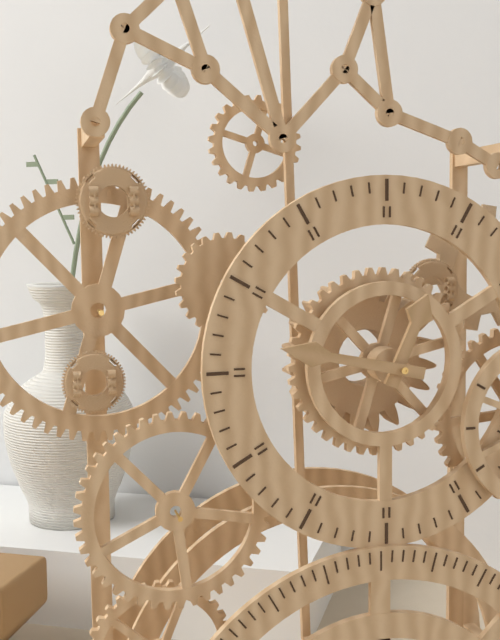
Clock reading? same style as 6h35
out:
12h47
